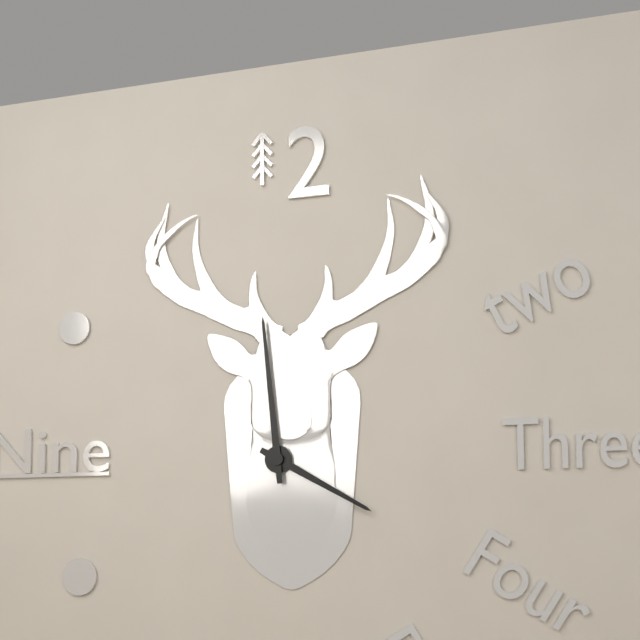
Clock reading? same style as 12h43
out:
3h59
